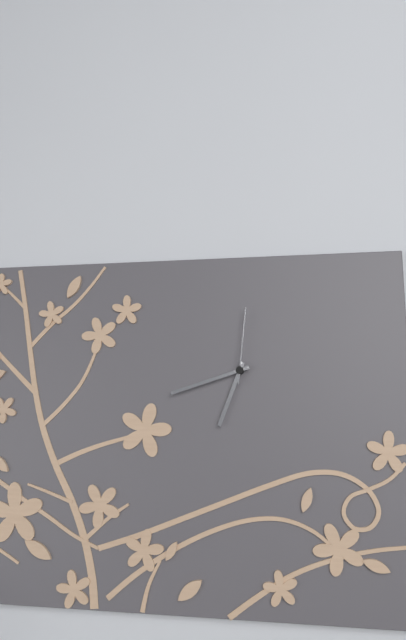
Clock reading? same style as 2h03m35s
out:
6h42m01s
